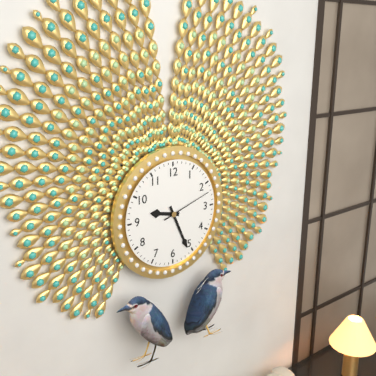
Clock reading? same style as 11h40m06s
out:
9h26m12s
